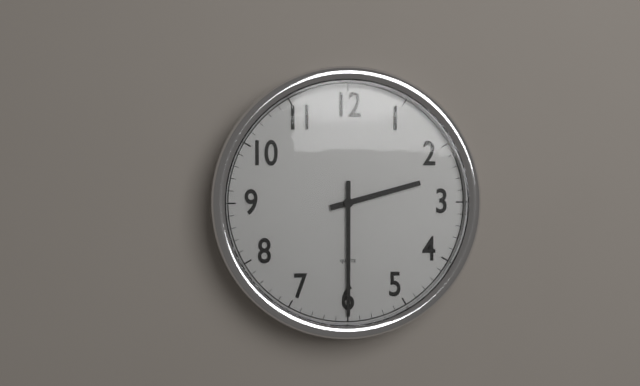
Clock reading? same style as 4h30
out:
2h30
